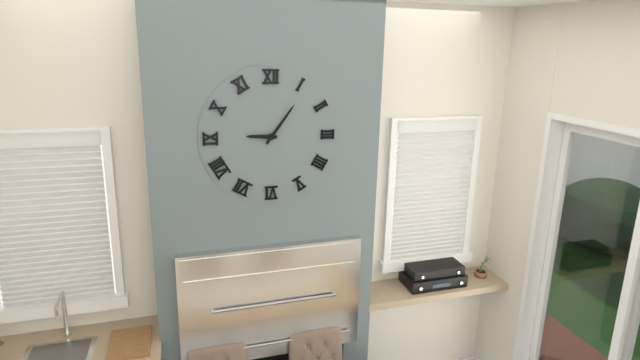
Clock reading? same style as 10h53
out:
9h06
